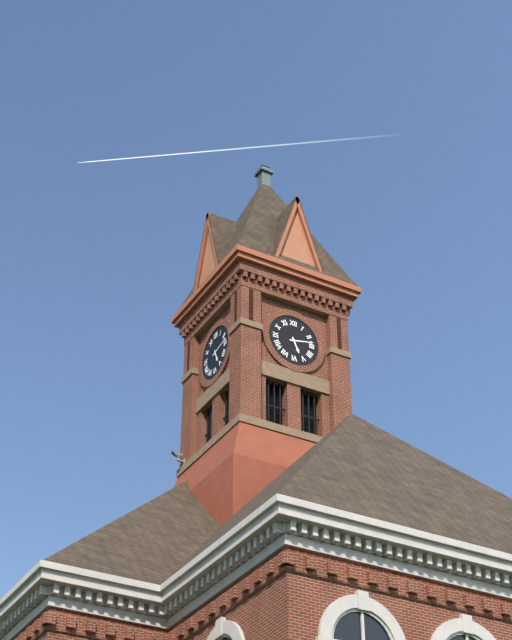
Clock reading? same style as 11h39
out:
5h13
